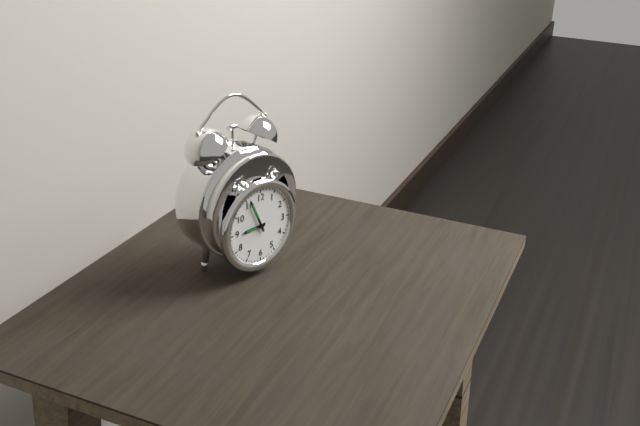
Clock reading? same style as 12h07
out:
8h56
